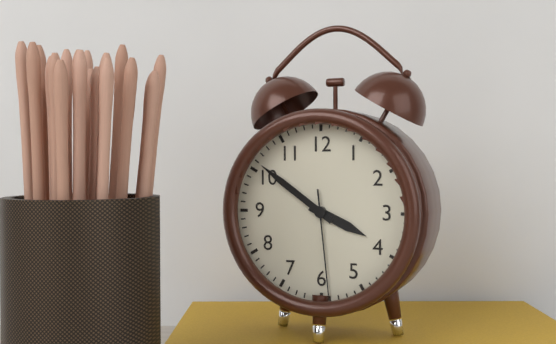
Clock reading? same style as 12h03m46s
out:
3h51m29s
